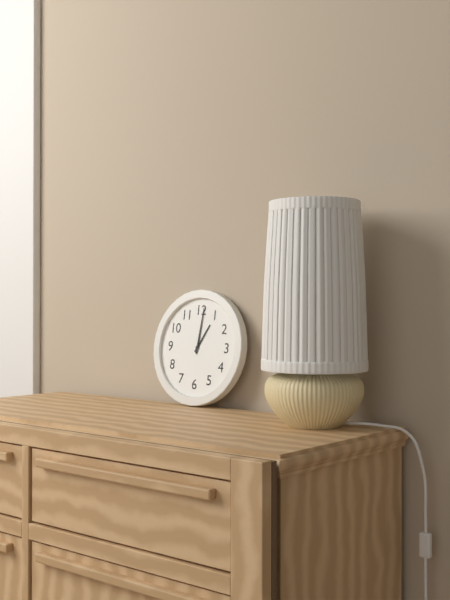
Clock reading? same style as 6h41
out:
1h01
